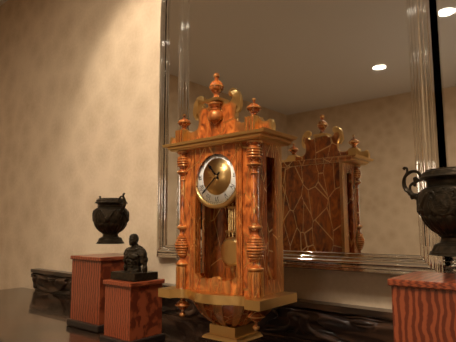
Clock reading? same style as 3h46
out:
10h38
